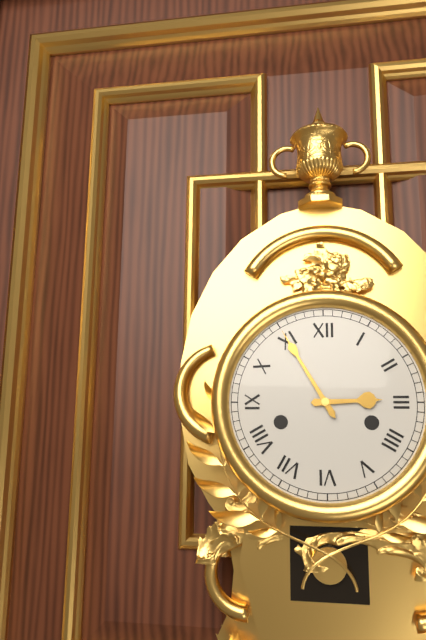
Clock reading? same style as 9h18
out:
2h55
